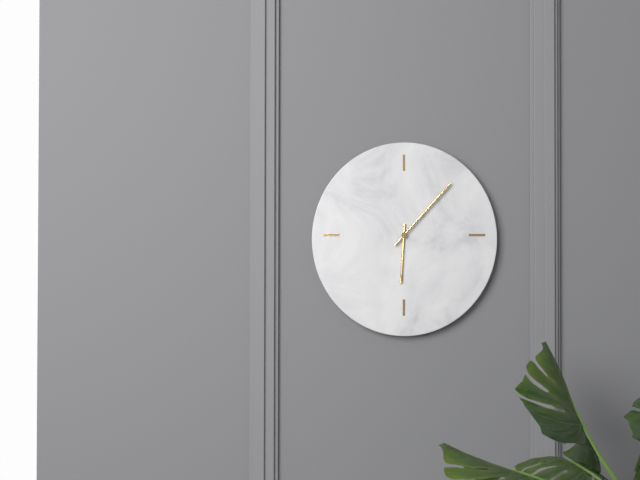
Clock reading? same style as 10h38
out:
6h07
